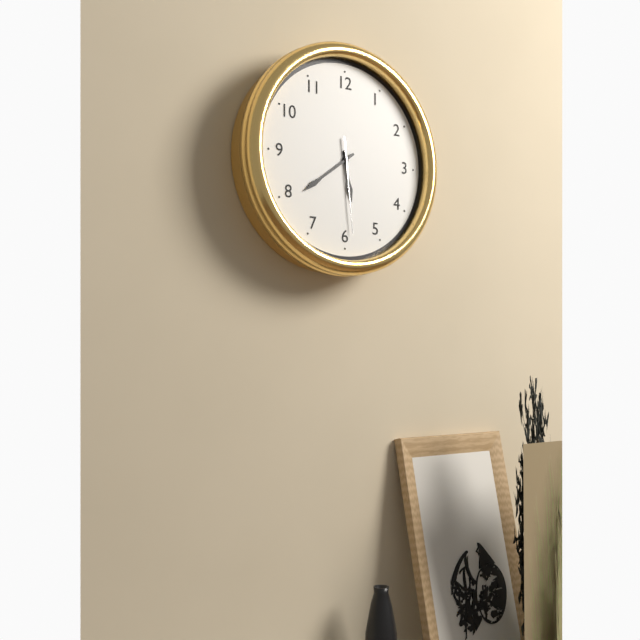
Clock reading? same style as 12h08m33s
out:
5h39m29s
